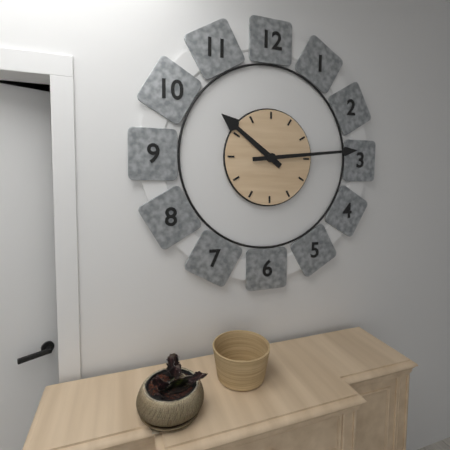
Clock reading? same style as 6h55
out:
10h14
